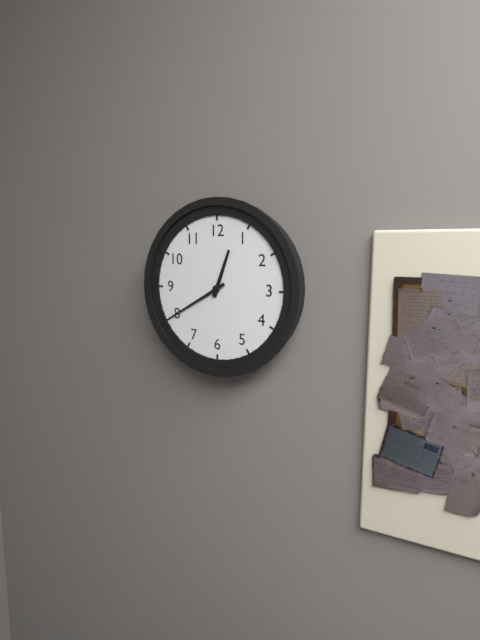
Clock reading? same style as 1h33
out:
12h40
